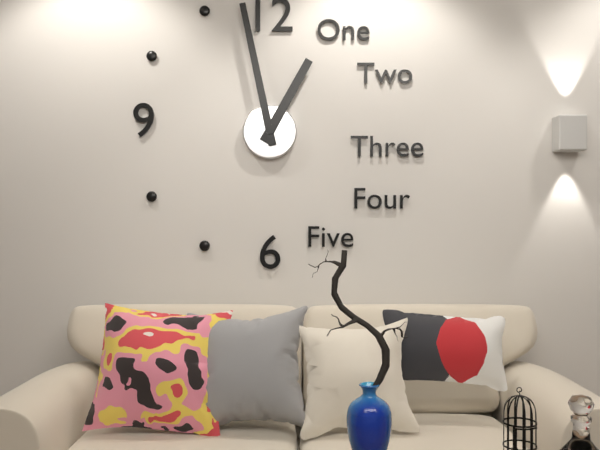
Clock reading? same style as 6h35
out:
12h58
